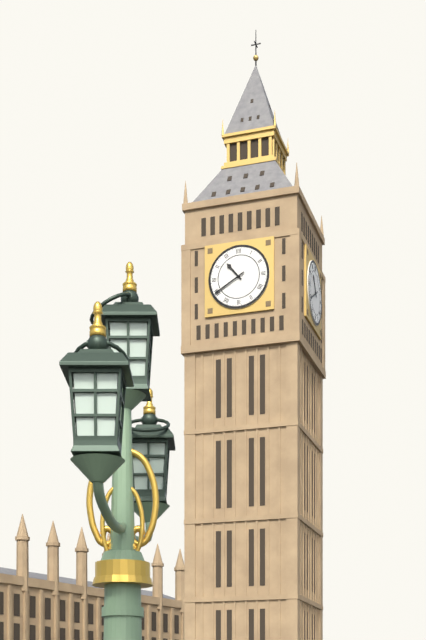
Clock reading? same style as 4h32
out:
10h40
